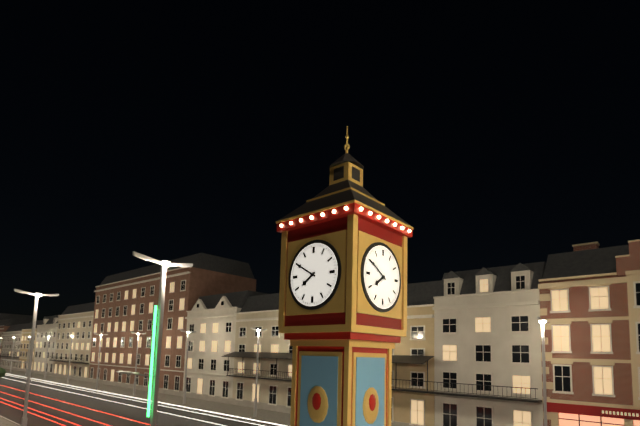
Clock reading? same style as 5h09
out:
7h50
